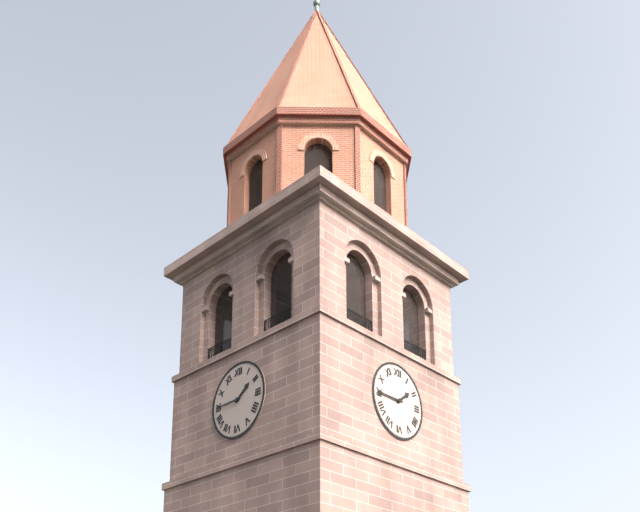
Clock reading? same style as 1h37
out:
1h45
